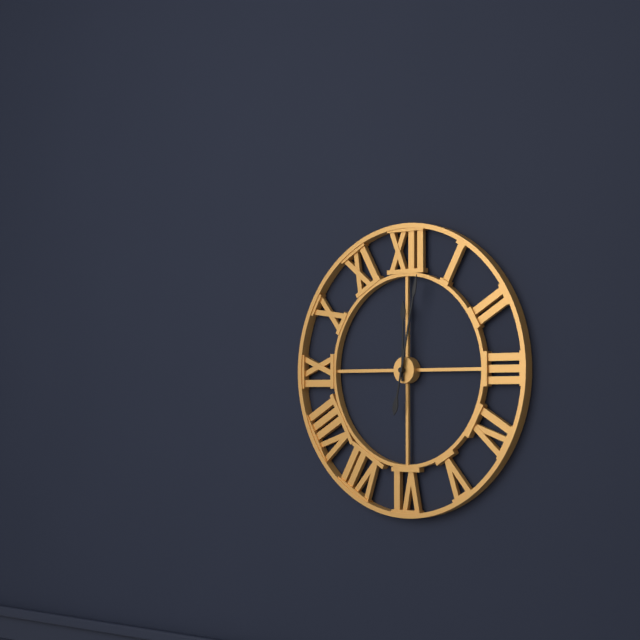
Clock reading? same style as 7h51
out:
12h02
